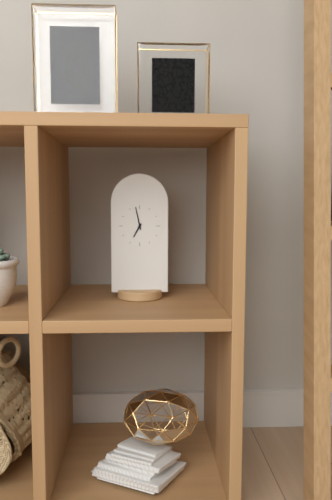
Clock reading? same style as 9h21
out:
6h58
